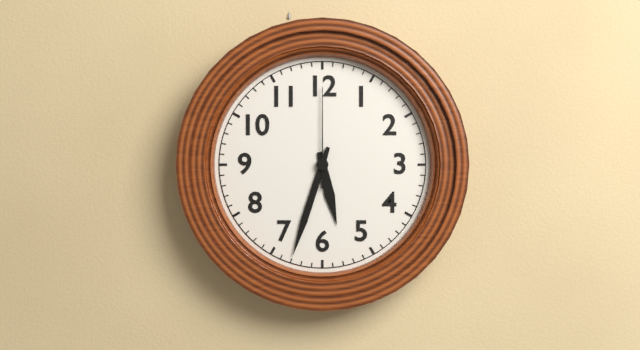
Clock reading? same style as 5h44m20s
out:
5h33m00s
